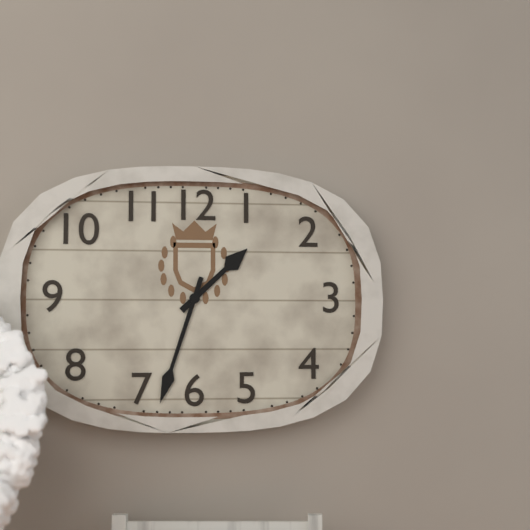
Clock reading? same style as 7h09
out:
1h33
